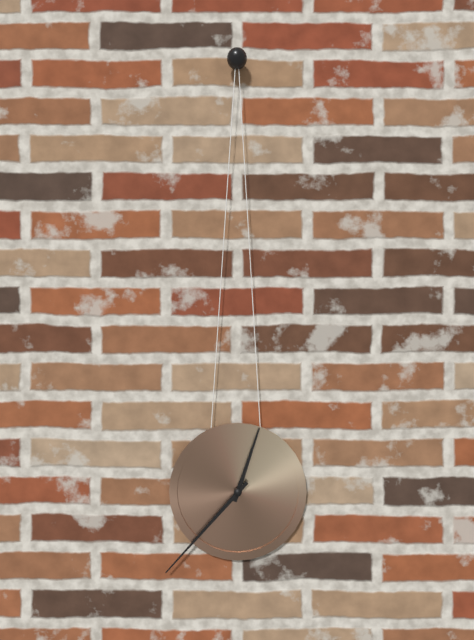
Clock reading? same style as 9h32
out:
12h37
